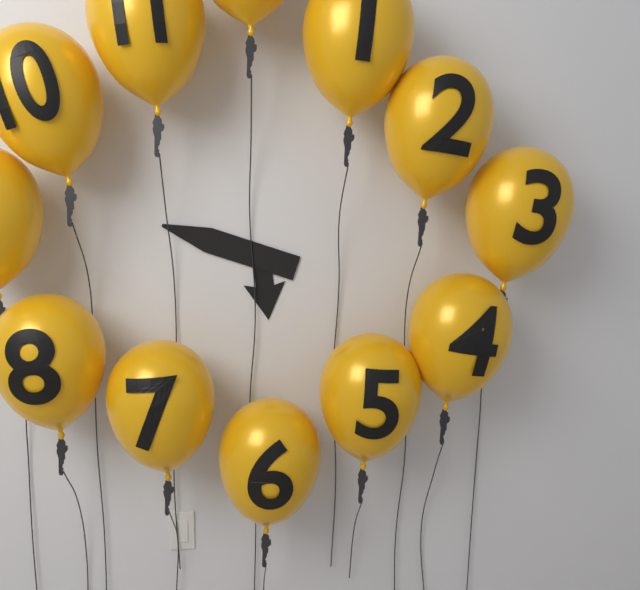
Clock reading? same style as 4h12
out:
5h48
